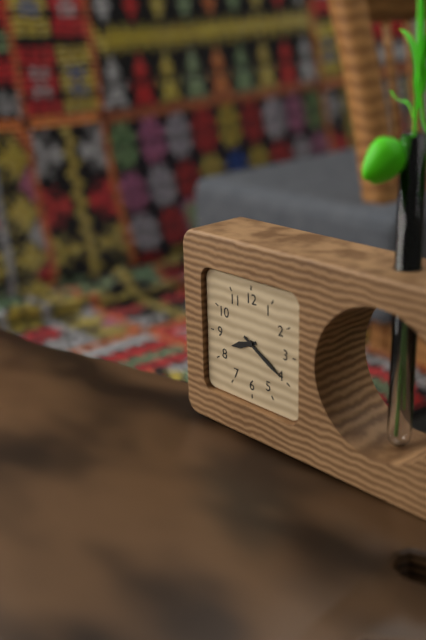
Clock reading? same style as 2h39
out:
8h20
